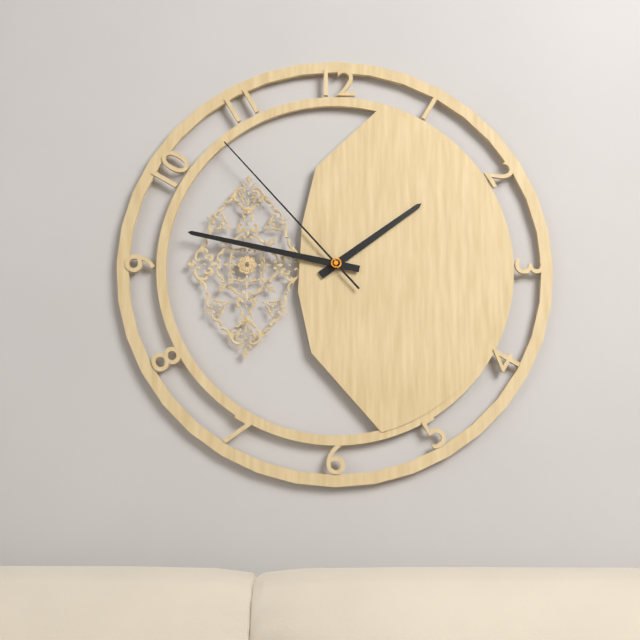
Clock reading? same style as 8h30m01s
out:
1h47m53s
